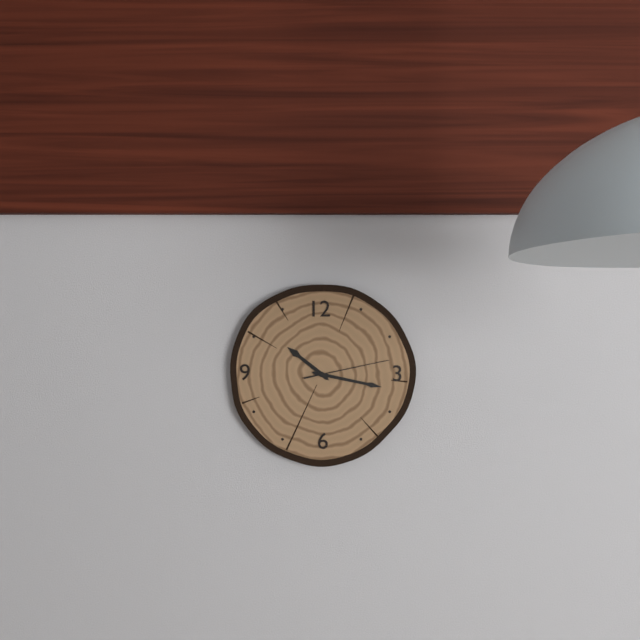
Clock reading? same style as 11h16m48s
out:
10h17m13s
